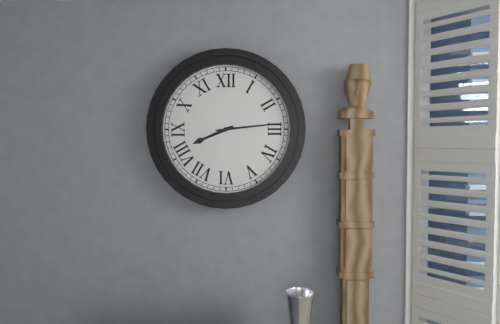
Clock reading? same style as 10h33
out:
8h14
